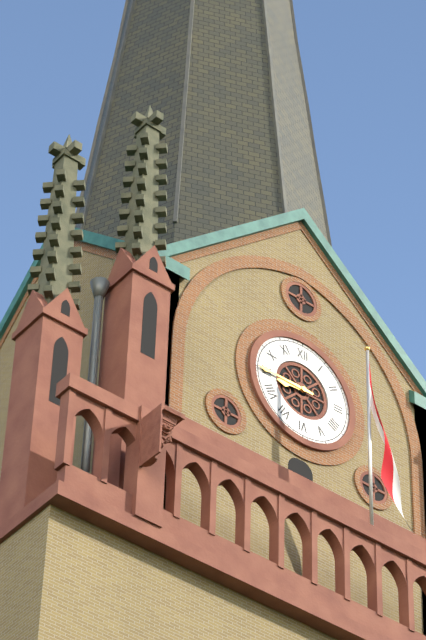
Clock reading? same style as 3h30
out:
8h45
